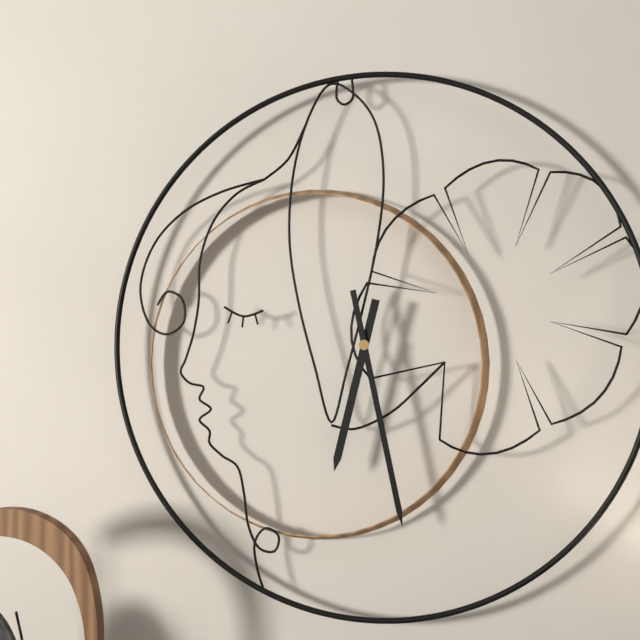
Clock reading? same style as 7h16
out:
6h28
